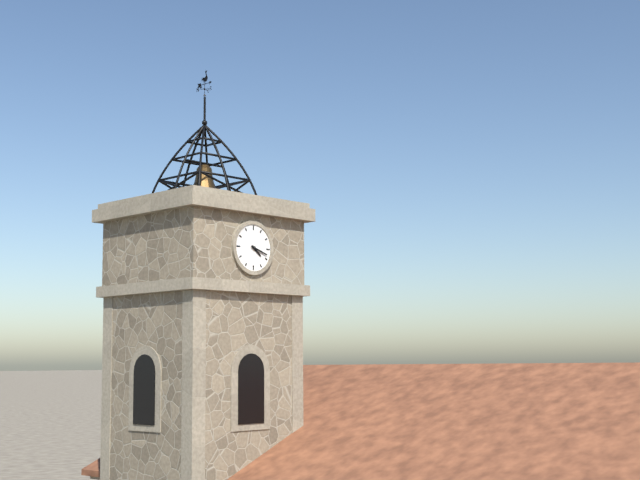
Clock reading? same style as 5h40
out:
4h18
